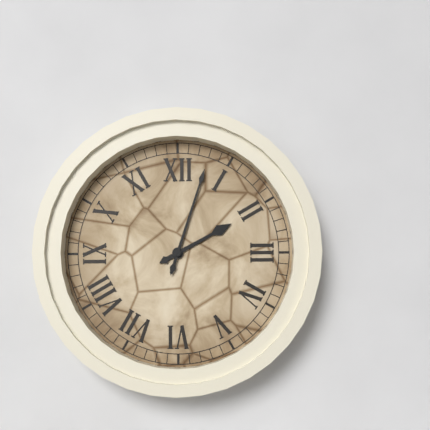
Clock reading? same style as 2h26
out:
2h03
